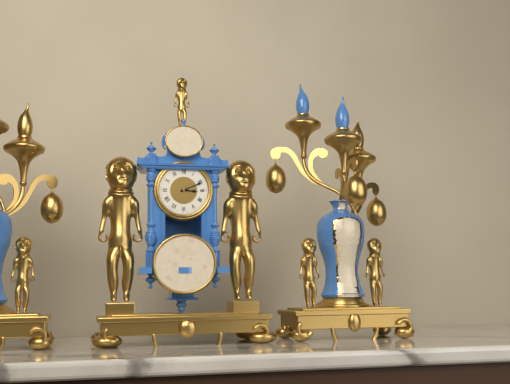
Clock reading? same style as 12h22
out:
3h11
